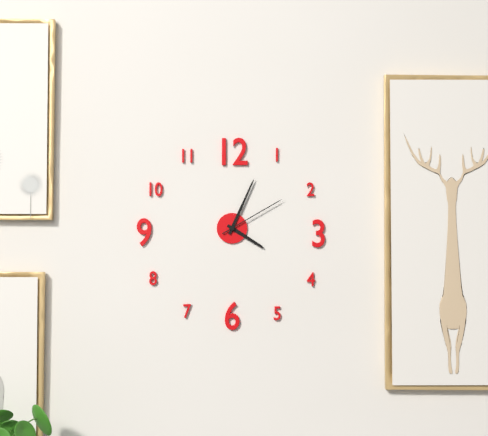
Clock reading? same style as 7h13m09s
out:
4h04m10s
